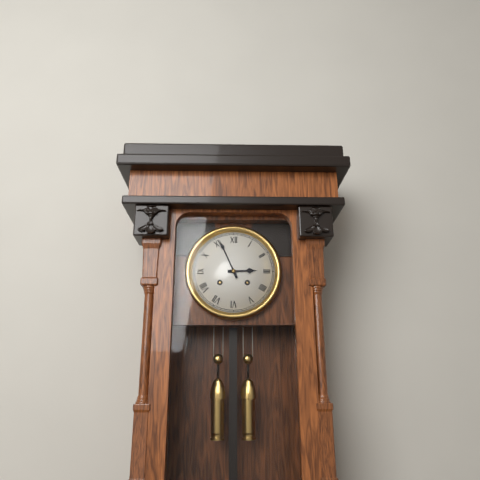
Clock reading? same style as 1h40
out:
2h56
